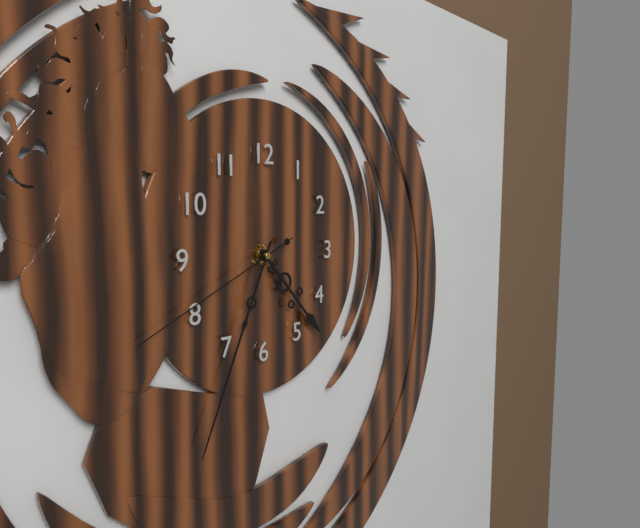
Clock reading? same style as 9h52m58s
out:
4h34m41s
